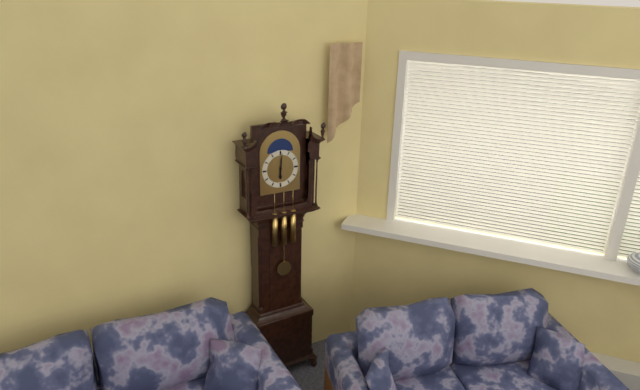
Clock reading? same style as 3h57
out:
6h01
